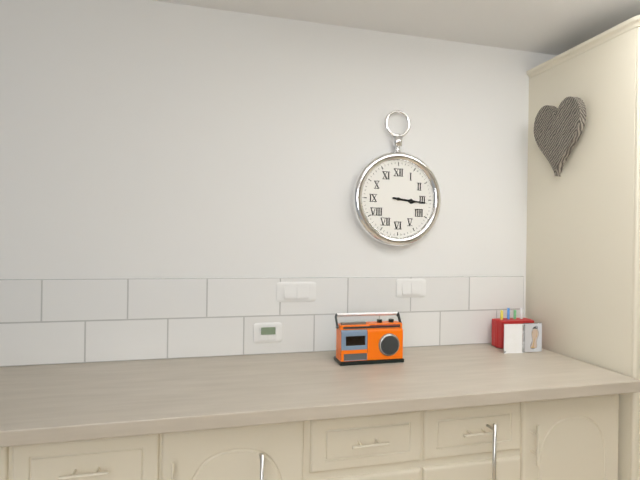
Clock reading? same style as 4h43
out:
3h16
